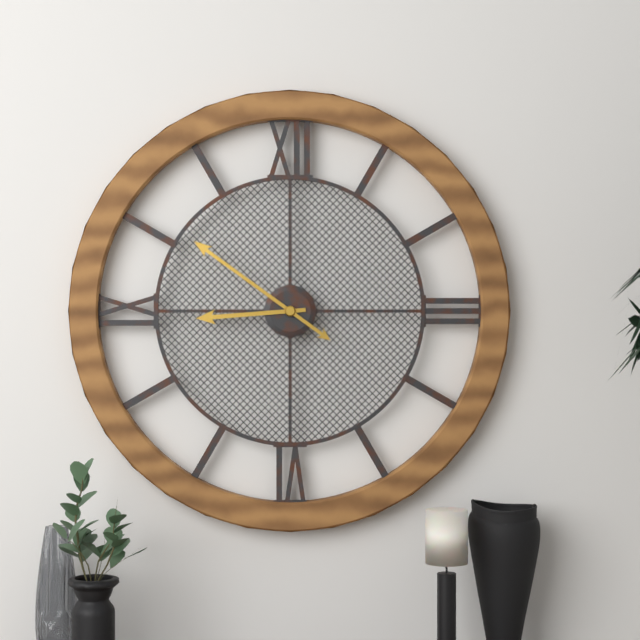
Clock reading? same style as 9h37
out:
8h51
